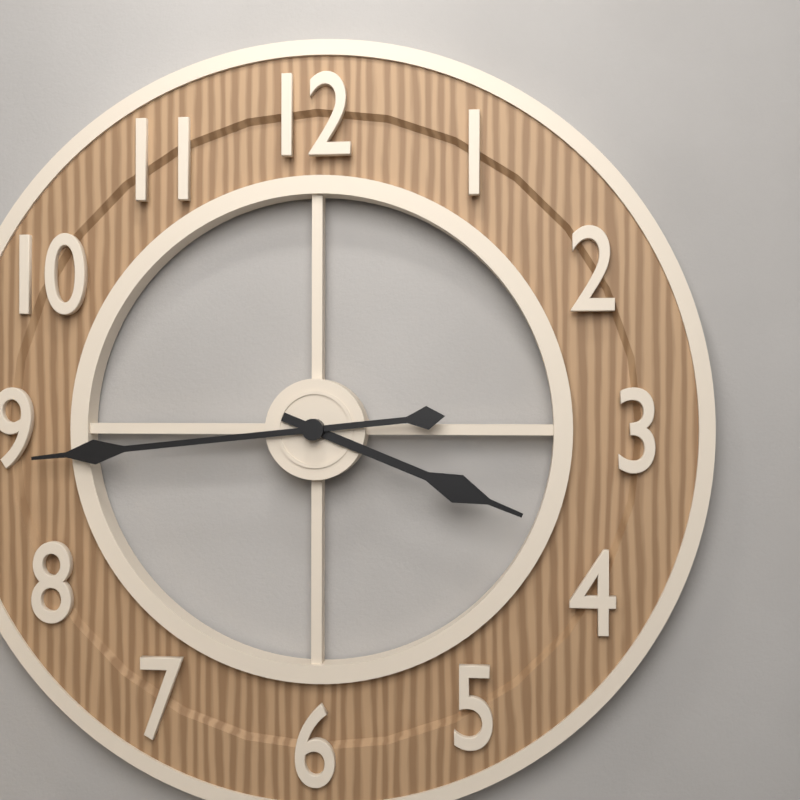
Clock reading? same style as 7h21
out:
3h44
